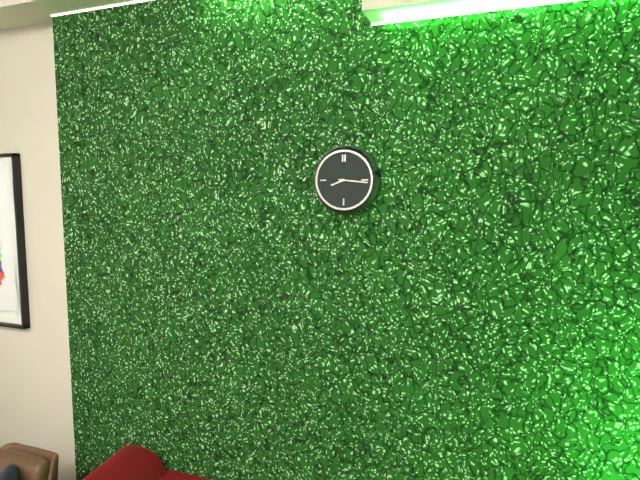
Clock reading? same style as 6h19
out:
8h16
